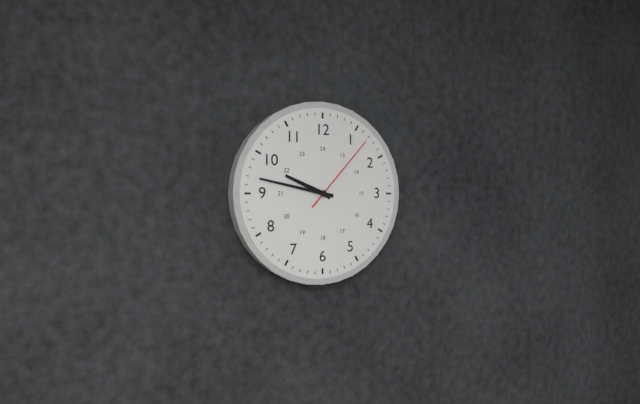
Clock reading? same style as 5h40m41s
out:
9h47m07s
